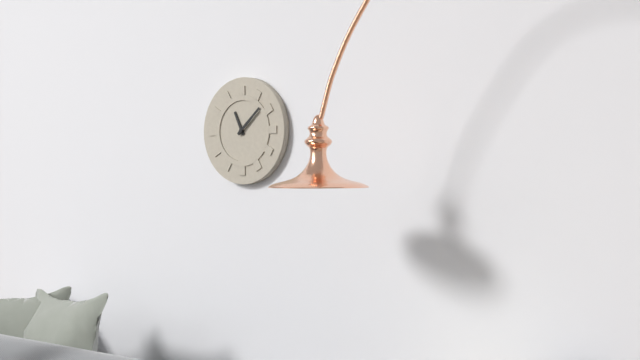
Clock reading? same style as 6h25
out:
11h08
